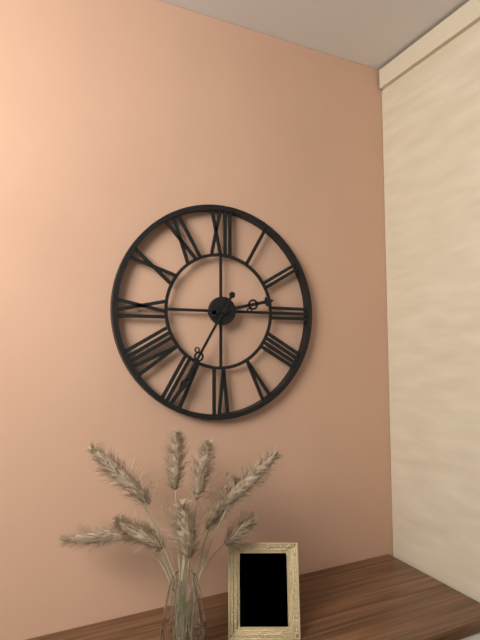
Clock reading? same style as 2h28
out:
2h35
